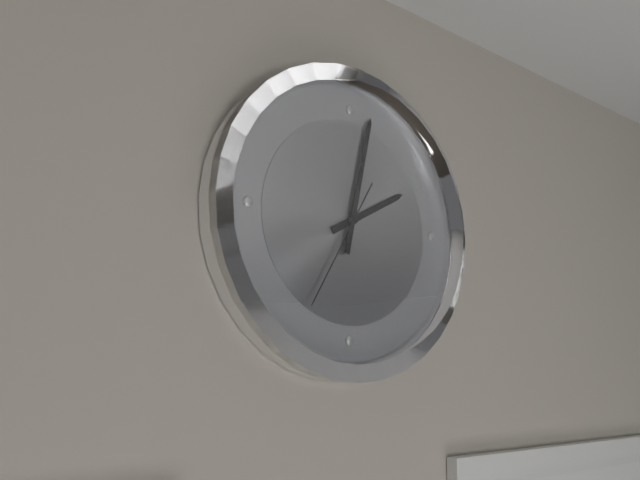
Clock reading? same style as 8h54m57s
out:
2h02m35s
